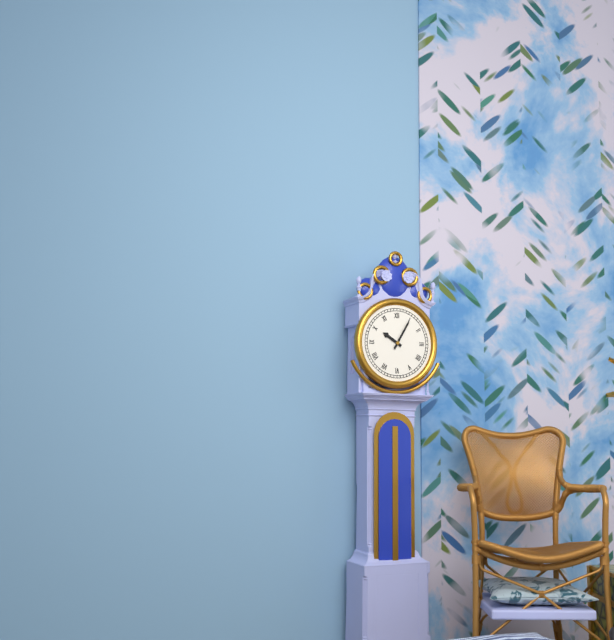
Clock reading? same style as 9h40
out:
10h05
